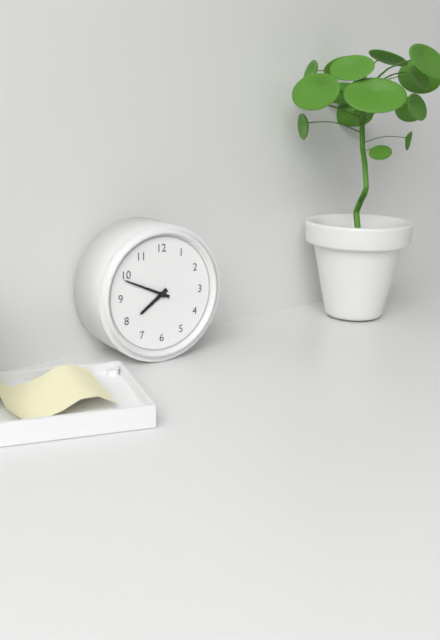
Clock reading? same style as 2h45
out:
7h49
